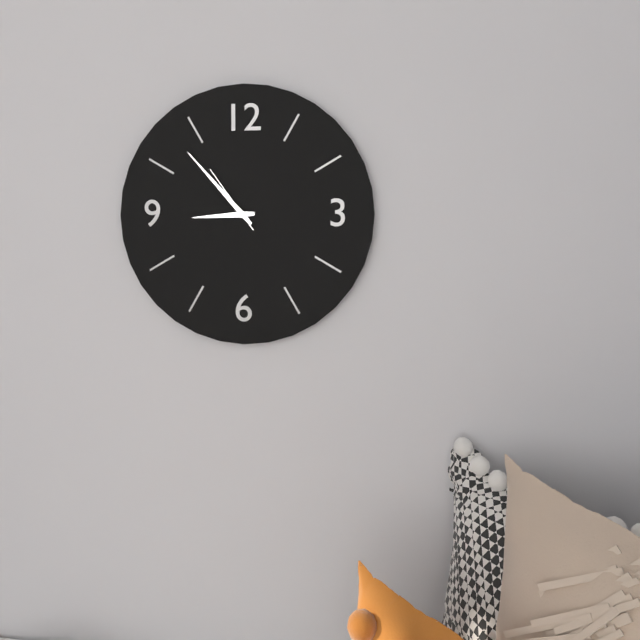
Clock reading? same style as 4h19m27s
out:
8h53m54s
